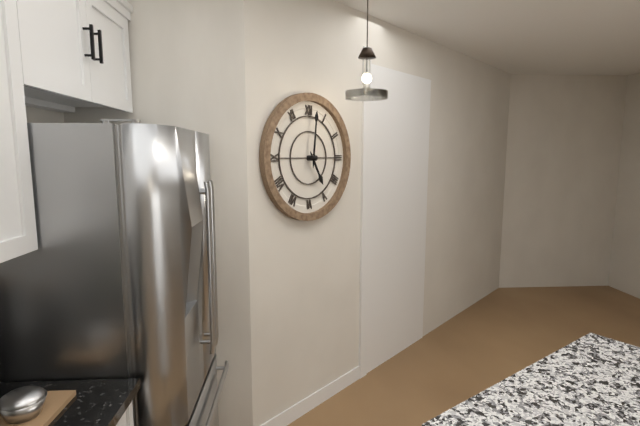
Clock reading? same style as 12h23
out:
5h01
